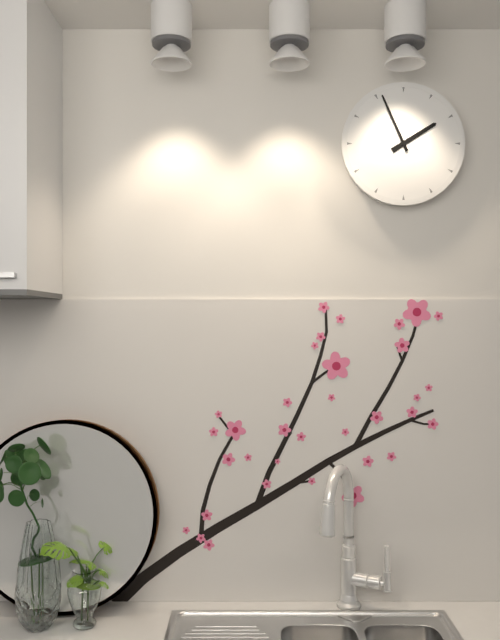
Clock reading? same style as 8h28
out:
1h56
